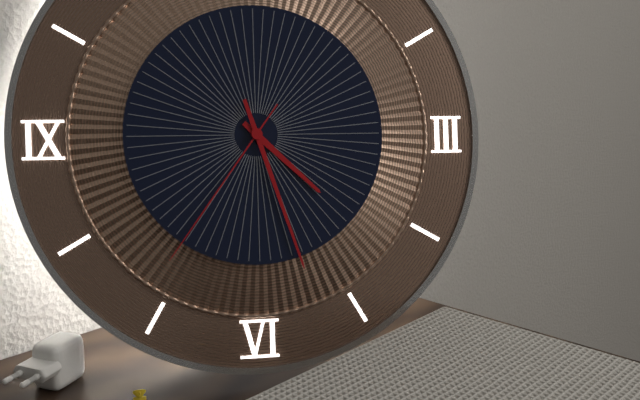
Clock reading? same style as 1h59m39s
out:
4h27m36s
